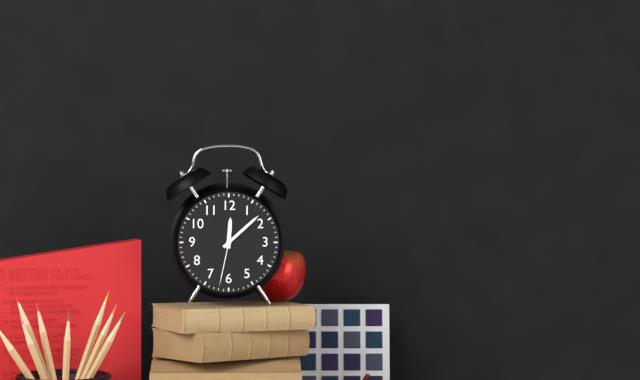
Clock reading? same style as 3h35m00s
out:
12h08m32s
